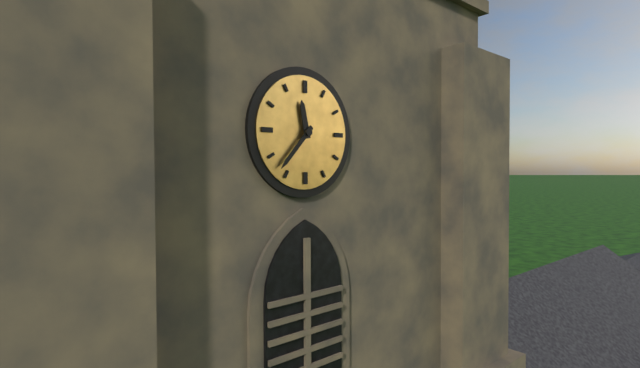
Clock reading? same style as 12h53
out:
11h37
